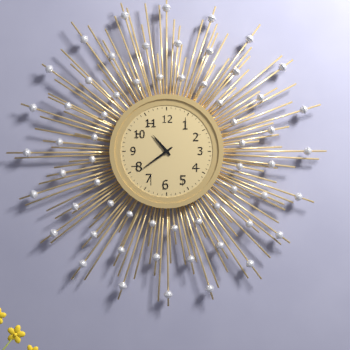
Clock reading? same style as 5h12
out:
10h39
